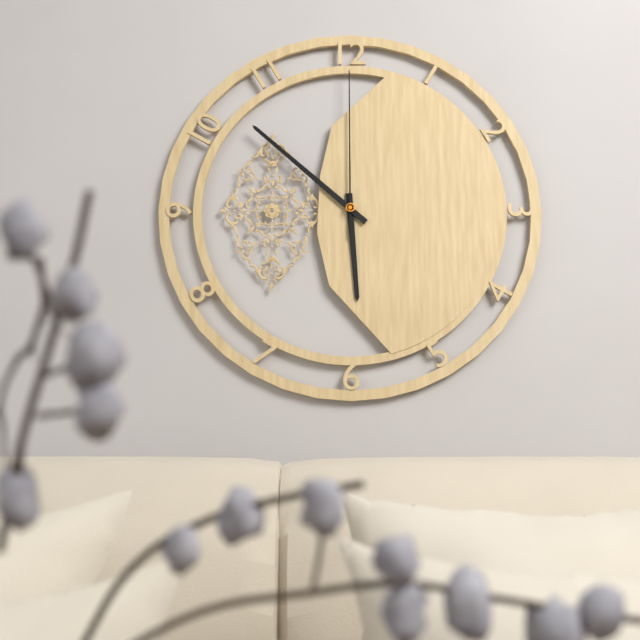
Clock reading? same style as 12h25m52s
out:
5h52m00s
